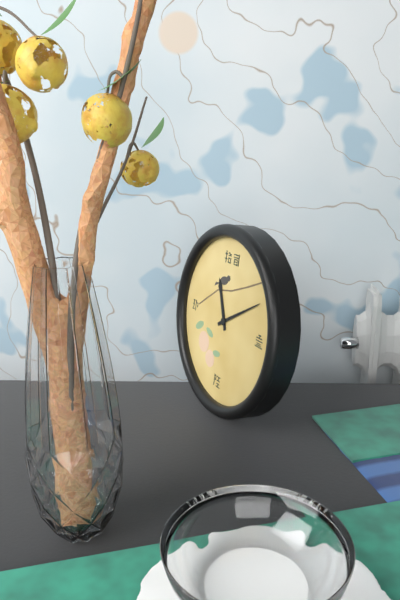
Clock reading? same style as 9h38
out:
11h10
